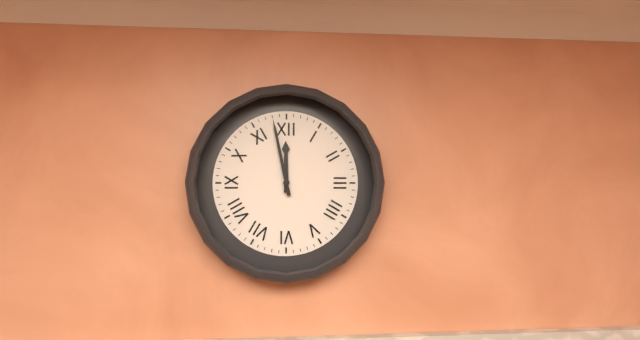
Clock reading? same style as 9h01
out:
11h58
